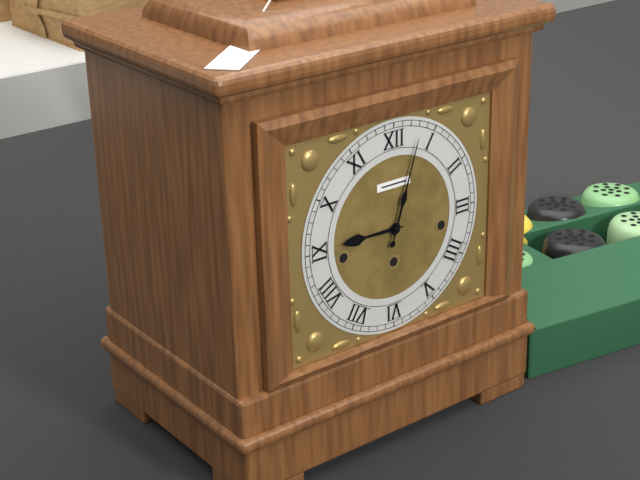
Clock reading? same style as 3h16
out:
9h03
